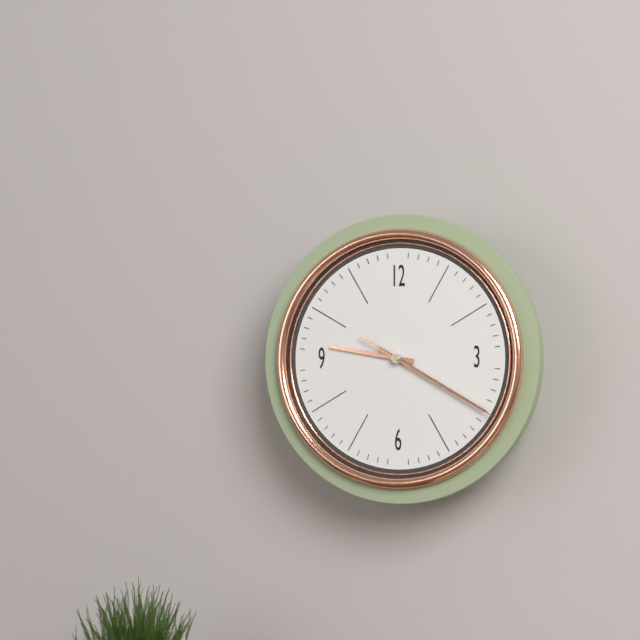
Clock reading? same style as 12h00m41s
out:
9h20m20s
